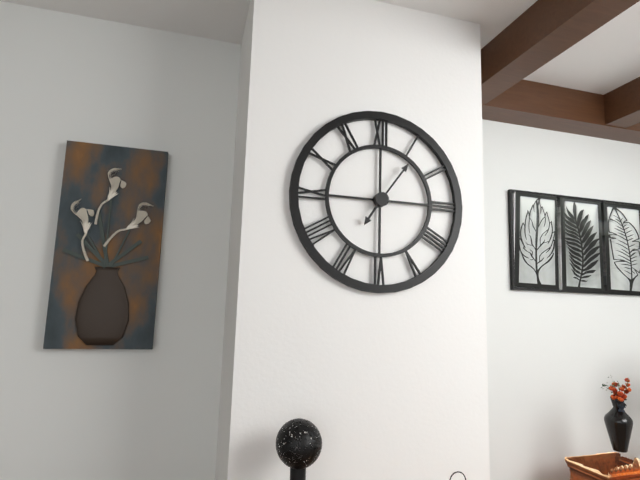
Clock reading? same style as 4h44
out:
7h06
